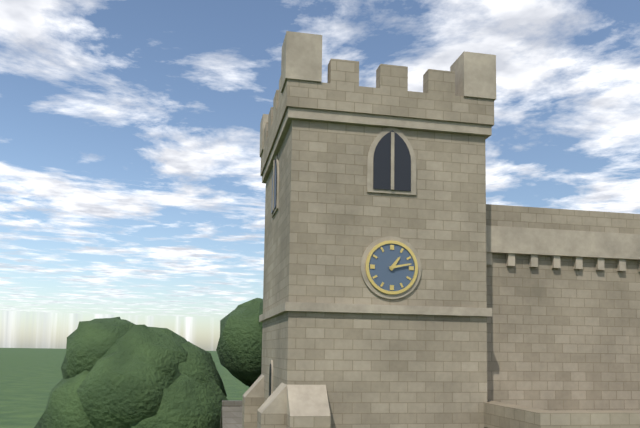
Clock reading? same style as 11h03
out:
1h13
